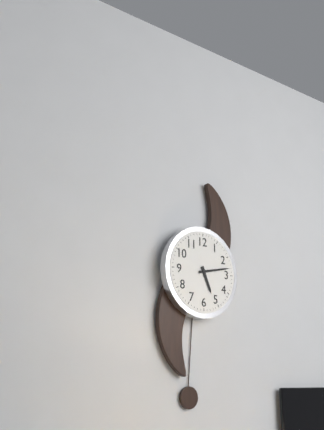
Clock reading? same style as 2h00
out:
5h13
